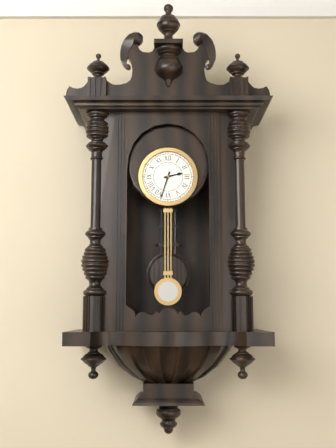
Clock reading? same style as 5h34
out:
2h33
